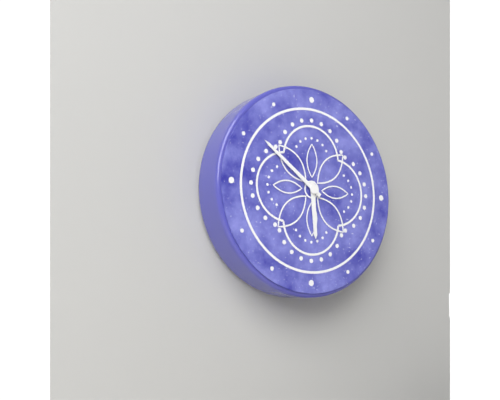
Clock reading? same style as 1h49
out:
5h51
